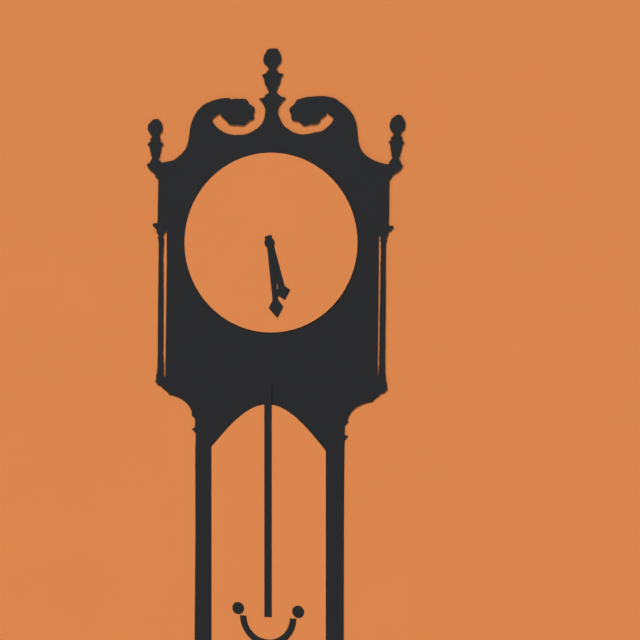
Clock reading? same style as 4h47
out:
5h29
